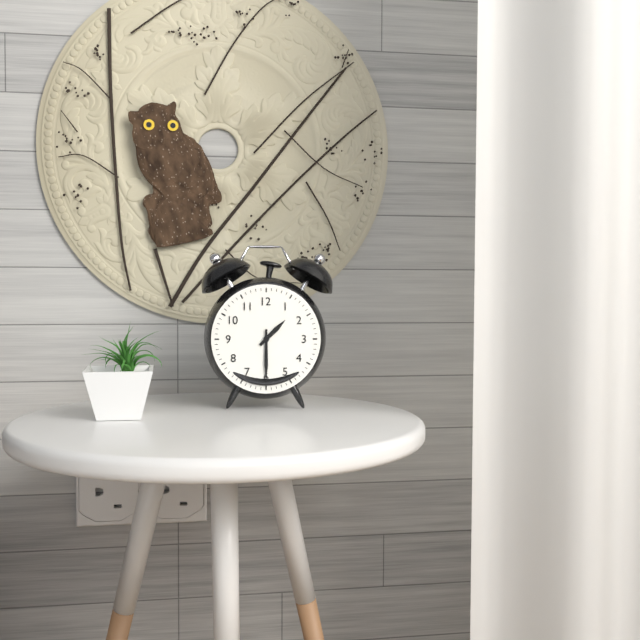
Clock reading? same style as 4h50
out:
1h30
